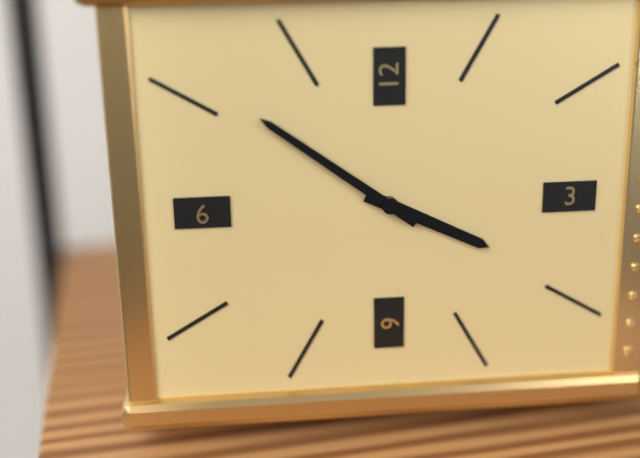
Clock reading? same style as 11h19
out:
3h51
